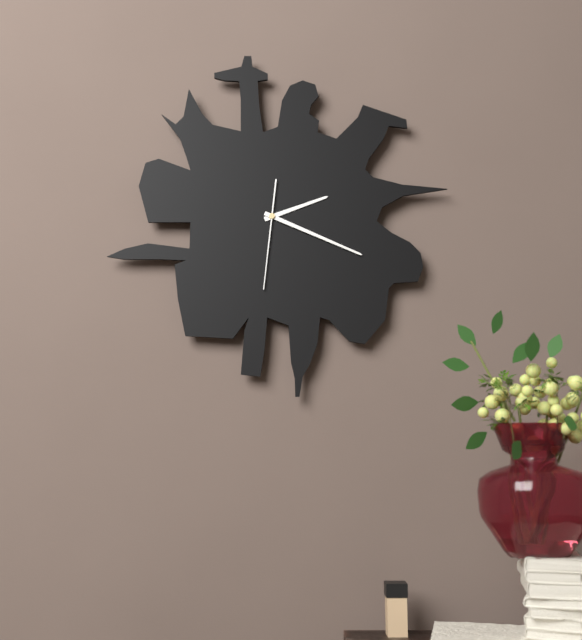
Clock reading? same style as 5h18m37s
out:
2h19m31s
